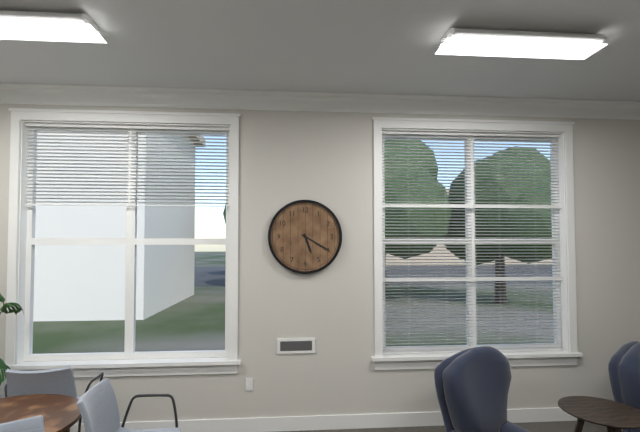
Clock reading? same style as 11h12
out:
5h20
